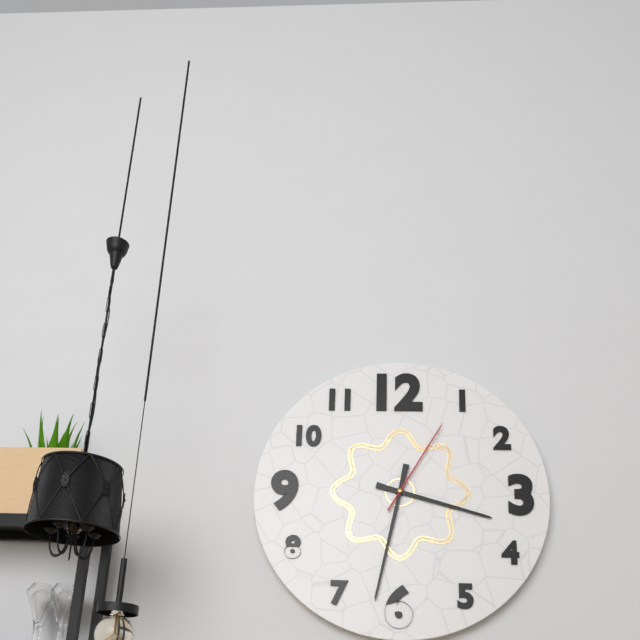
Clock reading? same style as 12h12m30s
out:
3h32m05s
